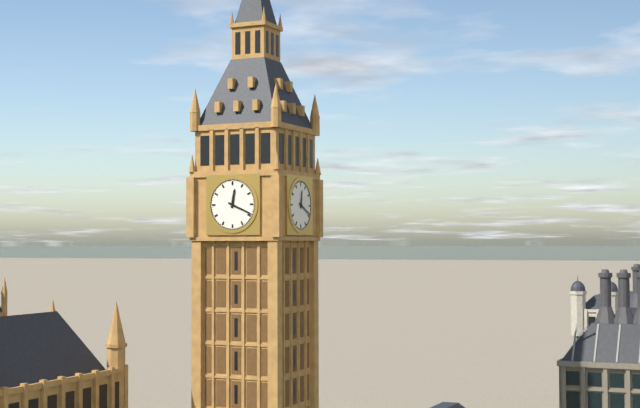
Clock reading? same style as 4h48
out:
12h19
